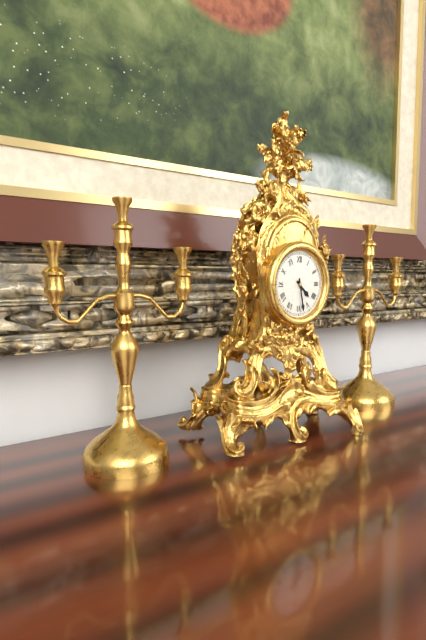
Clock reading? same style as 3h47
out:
4h28
